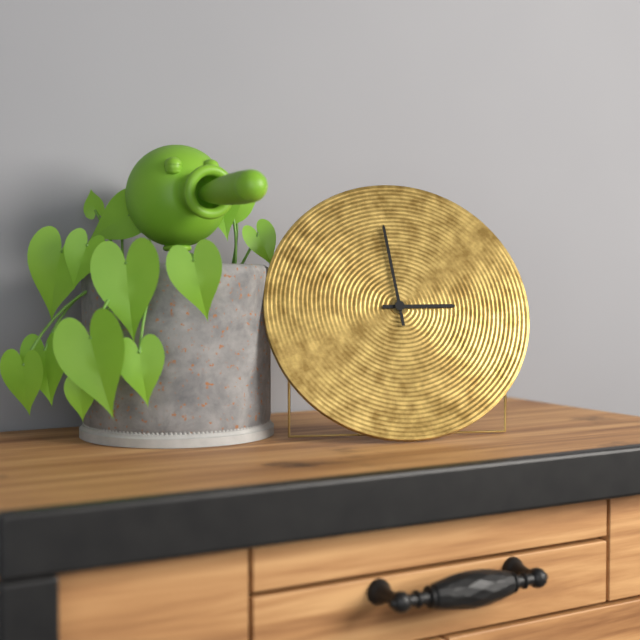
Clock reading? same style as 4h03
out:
2h59
